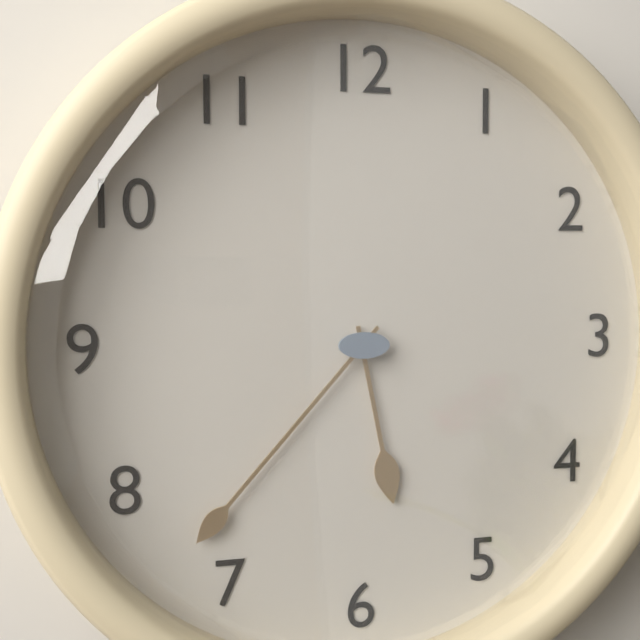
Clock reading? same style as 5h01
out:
5h37
